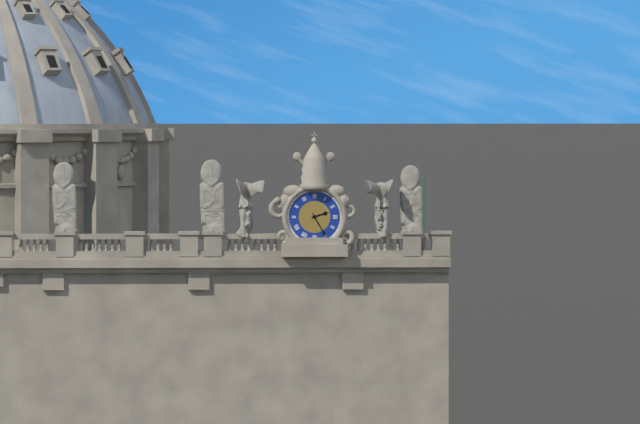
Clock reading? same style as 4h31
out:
2h25
